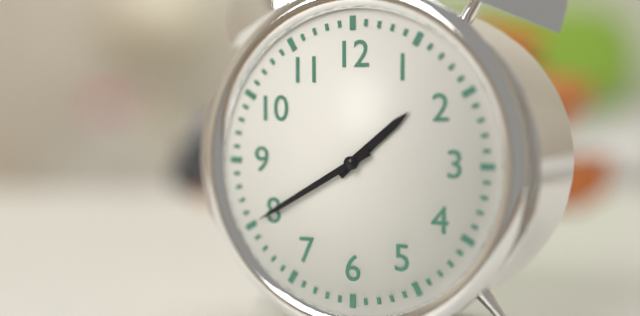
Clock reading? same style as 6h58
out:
1h40
